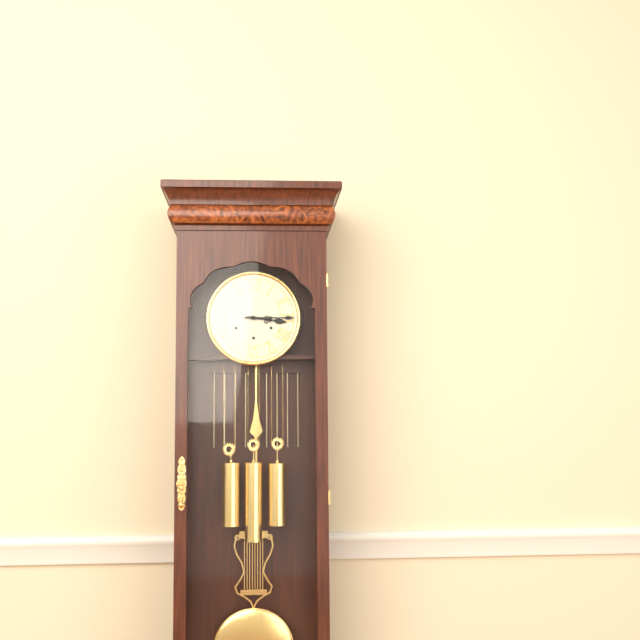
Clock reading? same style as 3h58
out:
3h15
